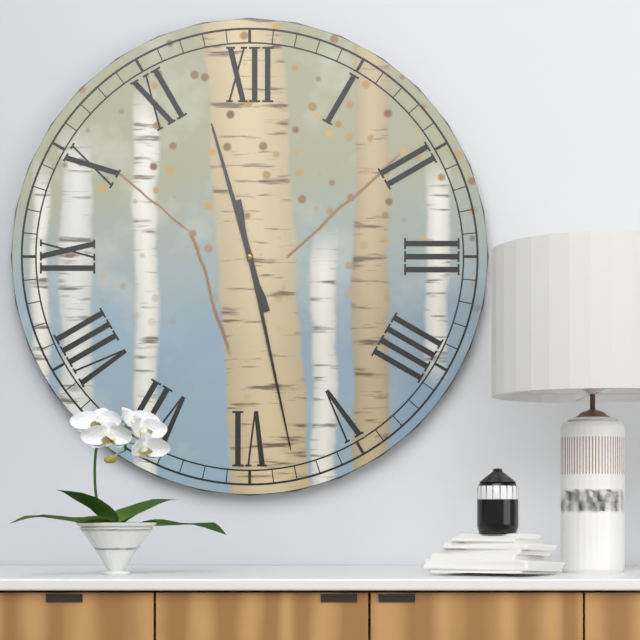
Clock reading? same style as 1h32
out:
11h28
